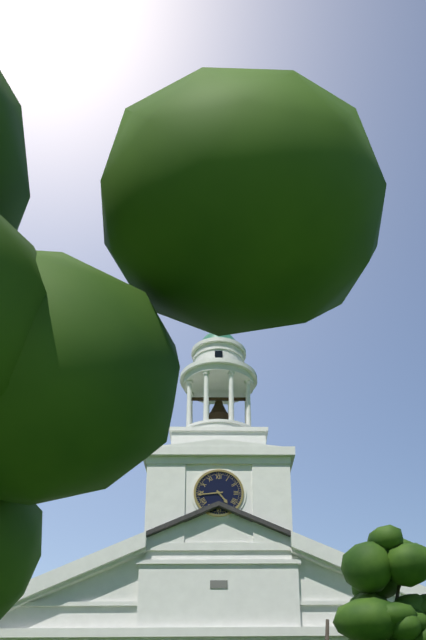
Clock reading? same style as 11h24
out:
4h44
